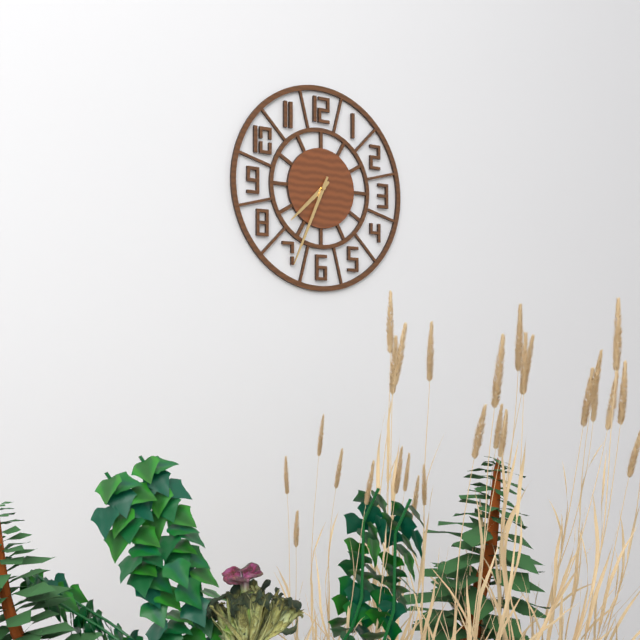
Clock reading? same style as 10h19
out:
7h34
